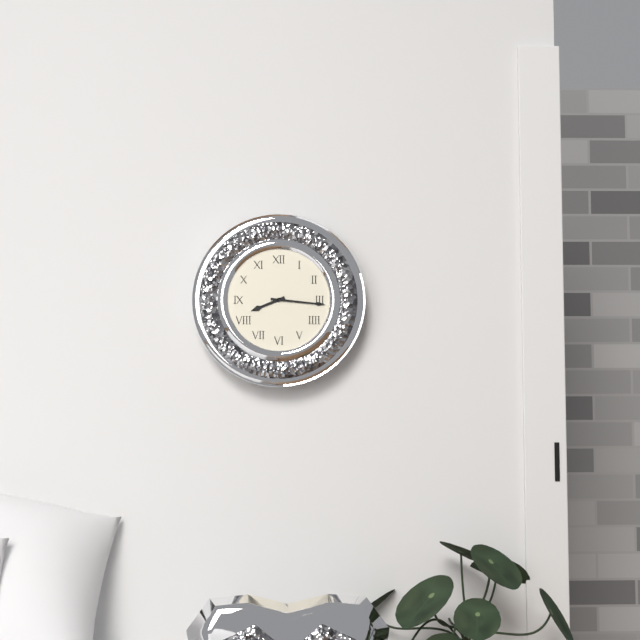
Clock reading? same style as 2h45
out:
8h16
